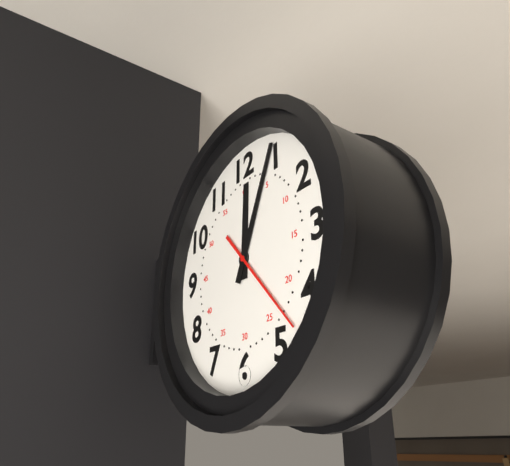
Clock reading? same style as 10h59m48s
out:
12h04m23s
